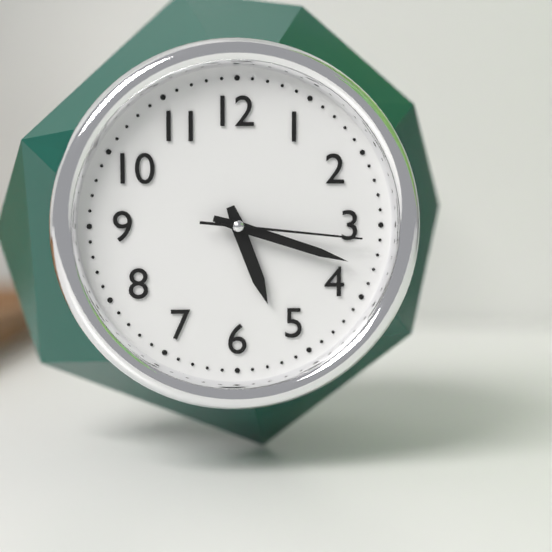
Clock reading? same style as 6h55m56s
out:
5h18m16s
